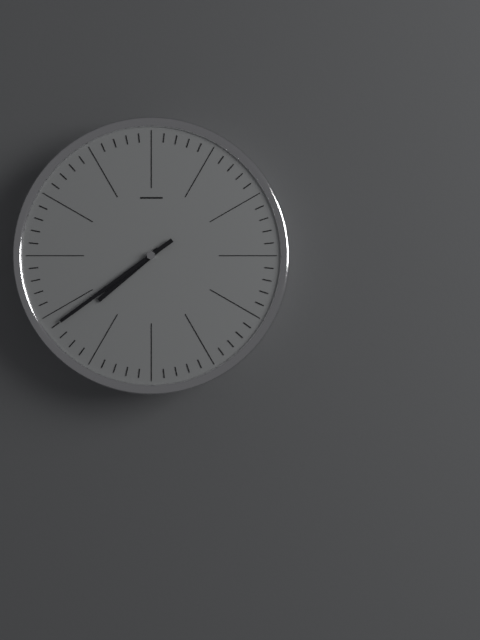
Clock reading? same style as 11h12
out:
7h39
